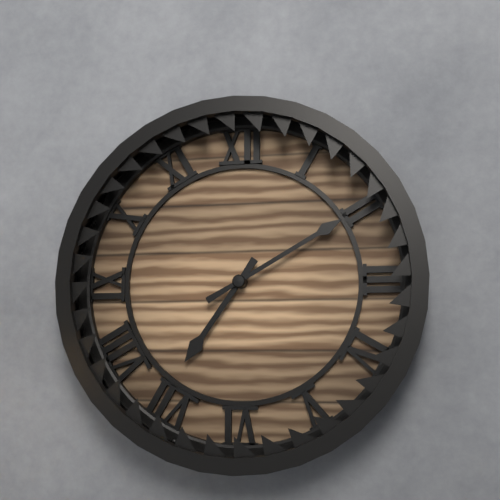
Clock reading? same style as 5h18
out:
7h10
